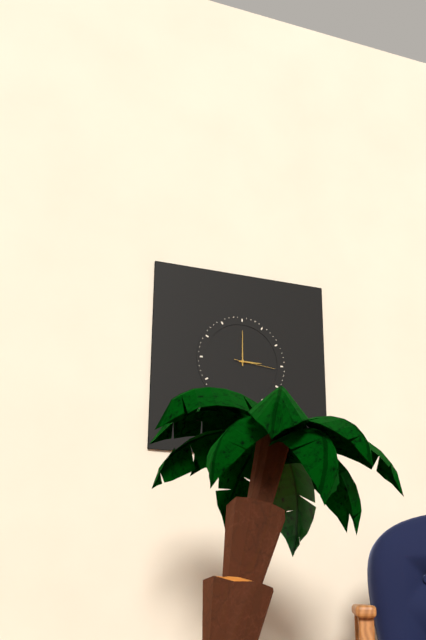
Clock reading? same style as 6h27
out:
3h00
